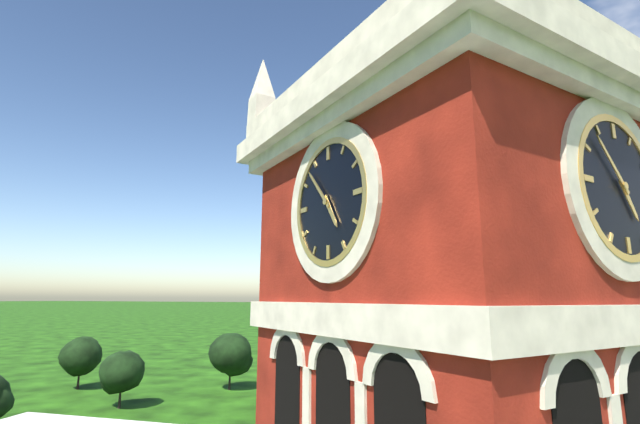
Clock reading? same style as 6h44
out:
4h53
